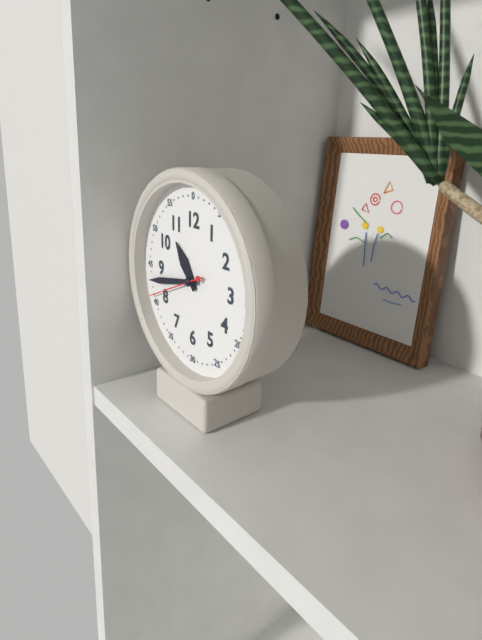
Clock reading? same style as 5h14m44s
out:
10h43m41s
